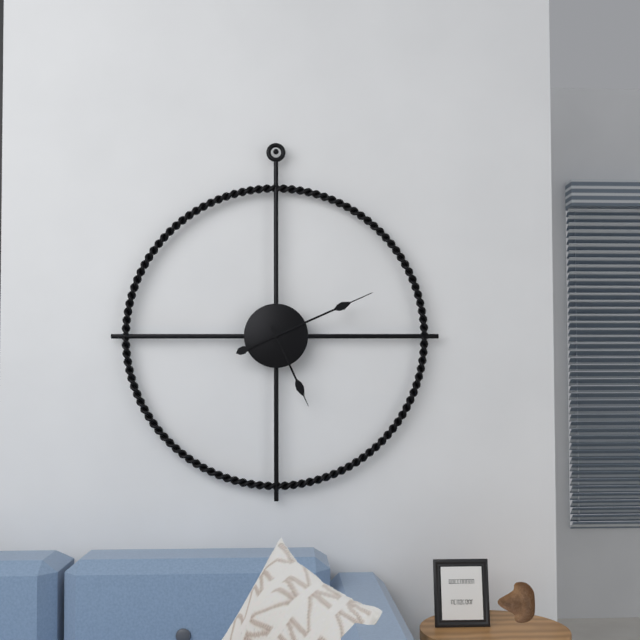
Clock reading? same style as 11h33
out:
5h11
